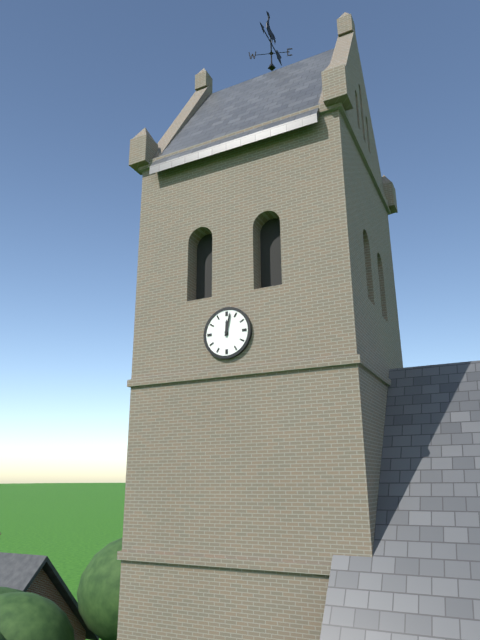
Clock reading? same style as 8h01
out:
12h02
